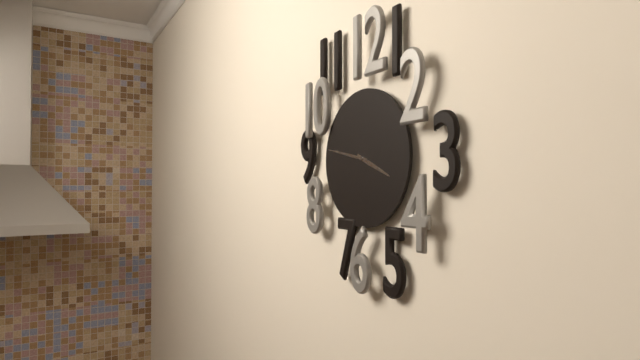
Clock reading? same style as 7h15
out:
3h47
